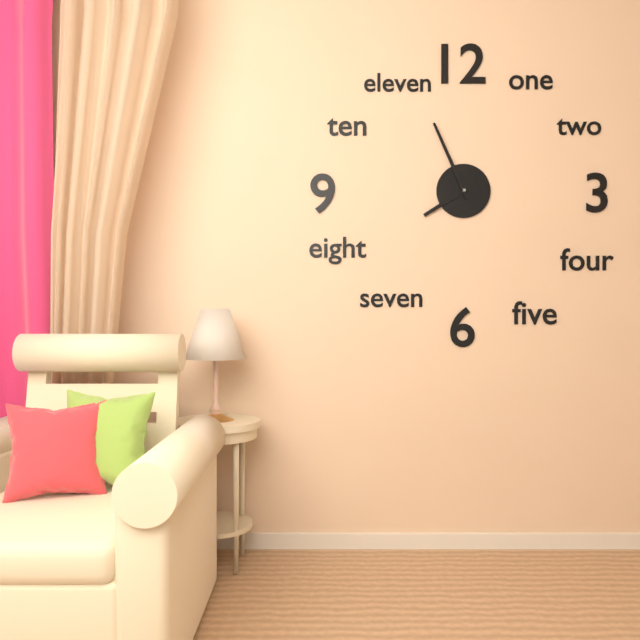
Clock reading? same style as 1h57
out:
7h56
